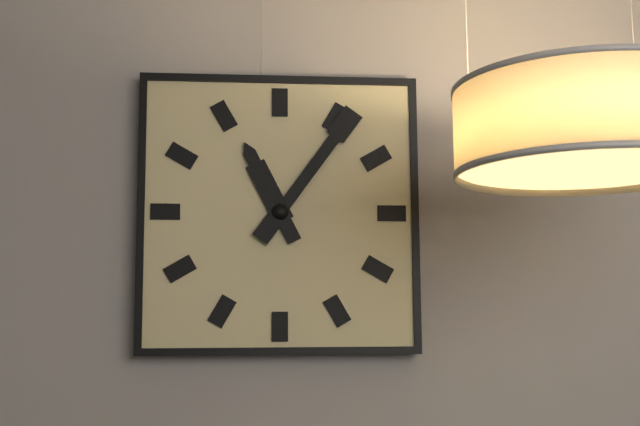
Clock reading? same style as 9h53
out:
11h06
